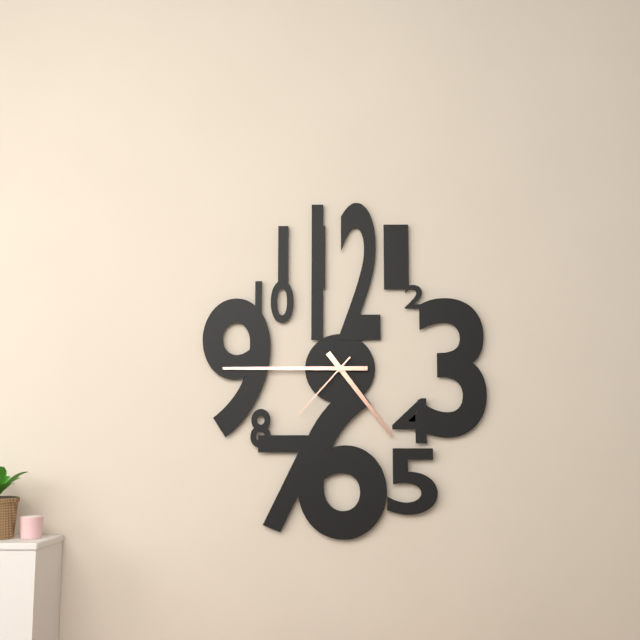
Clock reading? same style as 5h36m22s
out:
4h45m37s
